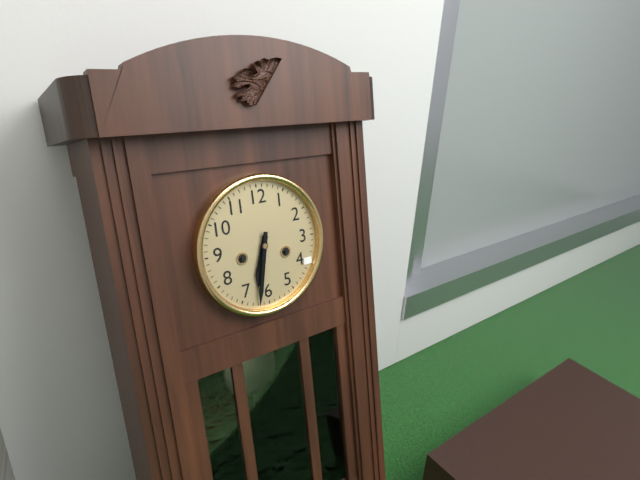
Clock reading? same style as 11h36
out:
6h32
